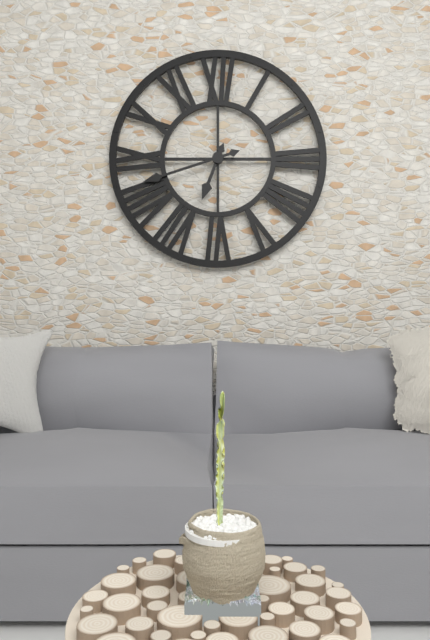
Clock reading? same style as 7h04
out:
6h42
